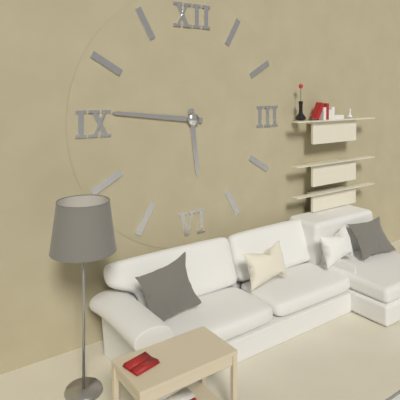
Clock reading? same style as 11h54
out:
5h46
